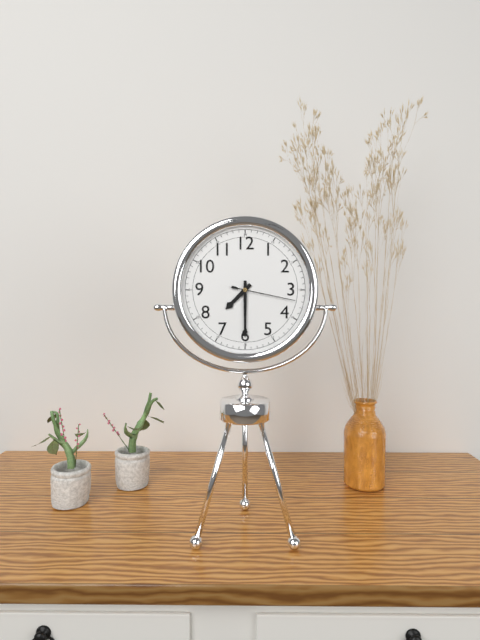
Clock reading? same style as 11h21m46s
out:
7h30m17s
